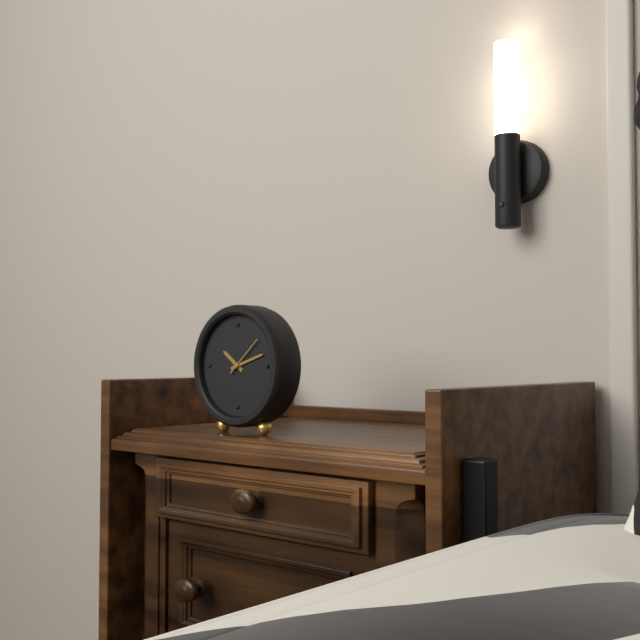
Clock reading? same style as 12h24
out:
10h12
